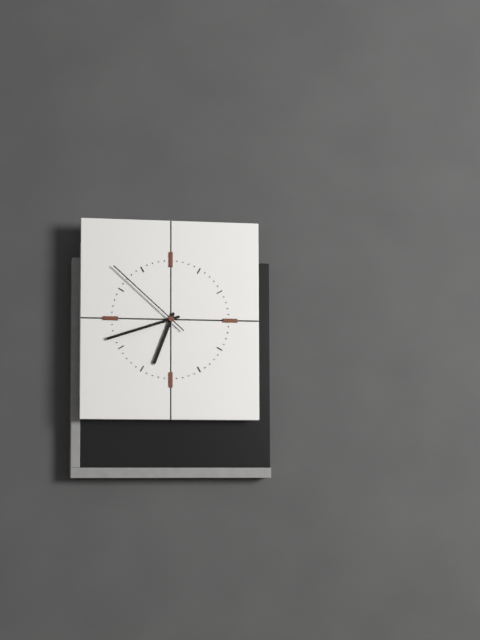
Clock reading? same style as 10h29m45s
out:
6h42m52s
